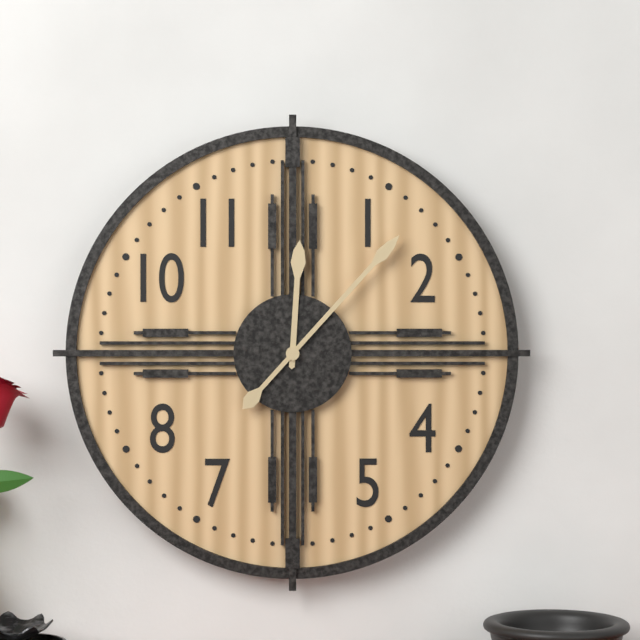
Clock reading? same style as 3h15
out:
12h07
